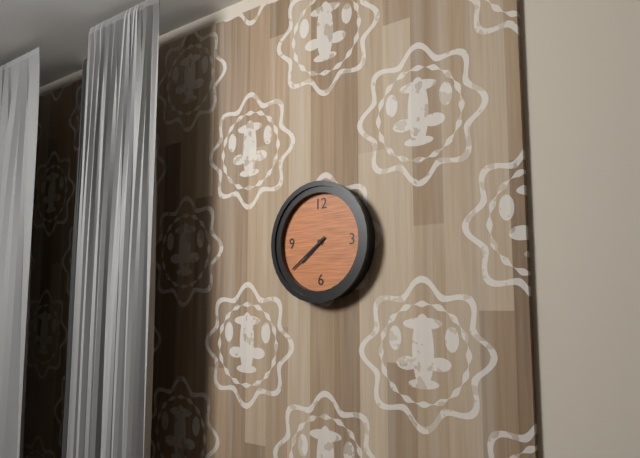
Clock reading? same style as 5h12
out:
7h39
